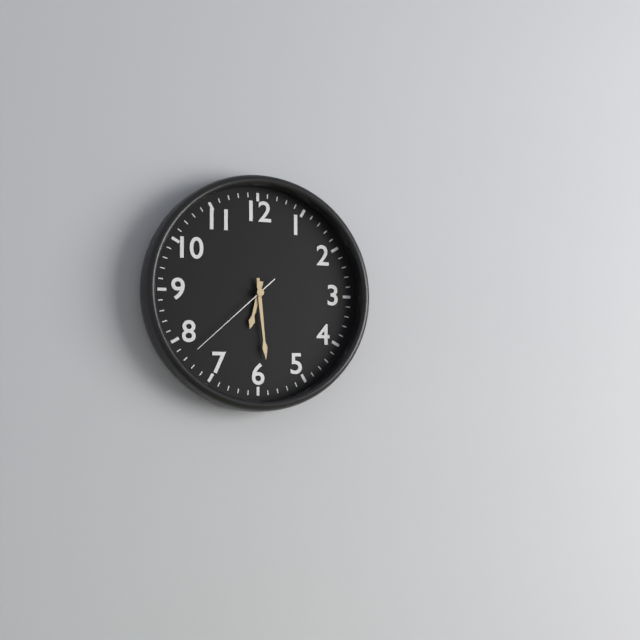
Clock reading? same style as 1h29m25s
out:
6h29m38s
